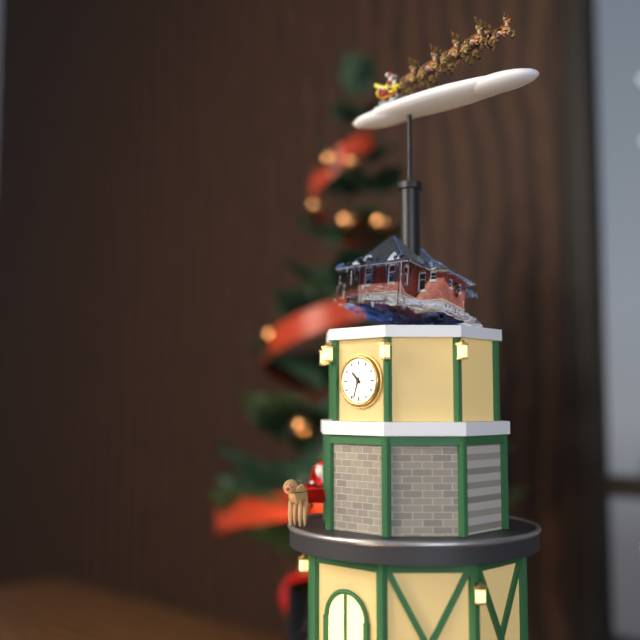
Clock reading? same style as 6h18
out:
10h33
